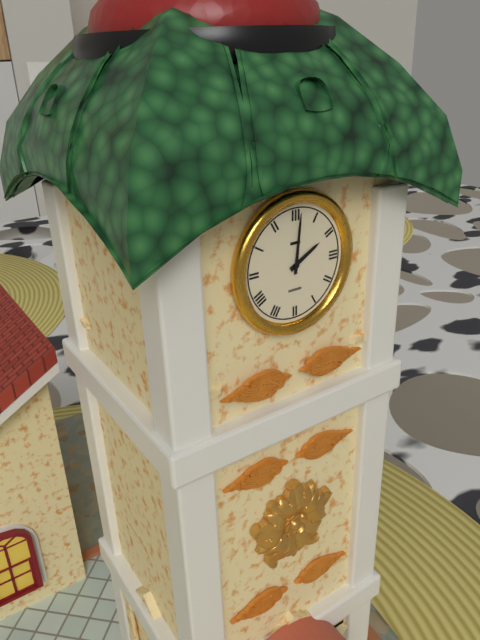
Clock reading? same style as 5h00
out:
2h01
